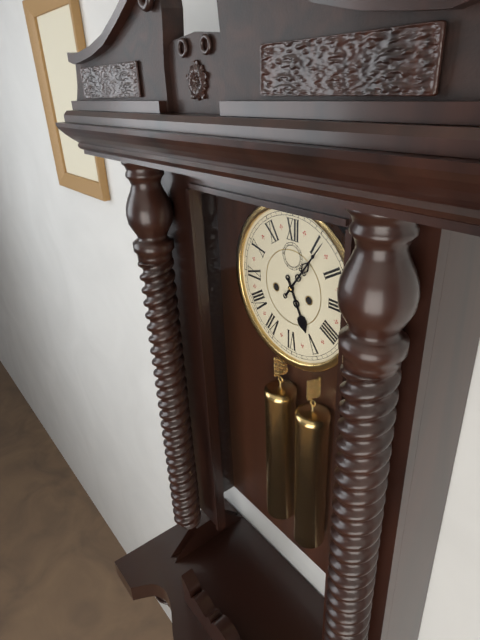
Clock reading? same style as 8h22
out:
5h06
